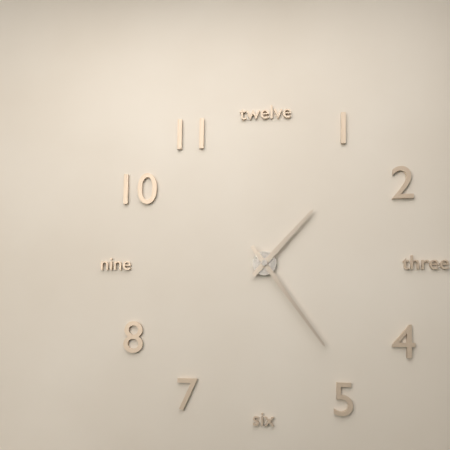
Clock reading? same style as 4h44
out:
1h24
